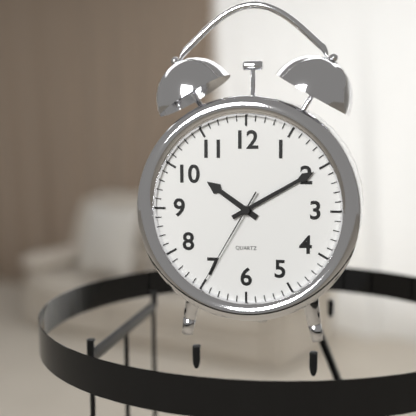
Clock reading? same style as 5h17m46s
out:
10h10m35s
